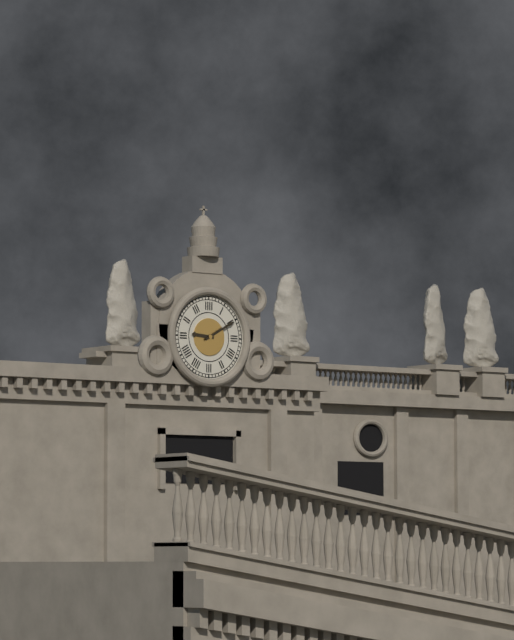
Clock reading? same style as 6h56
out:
9h10
